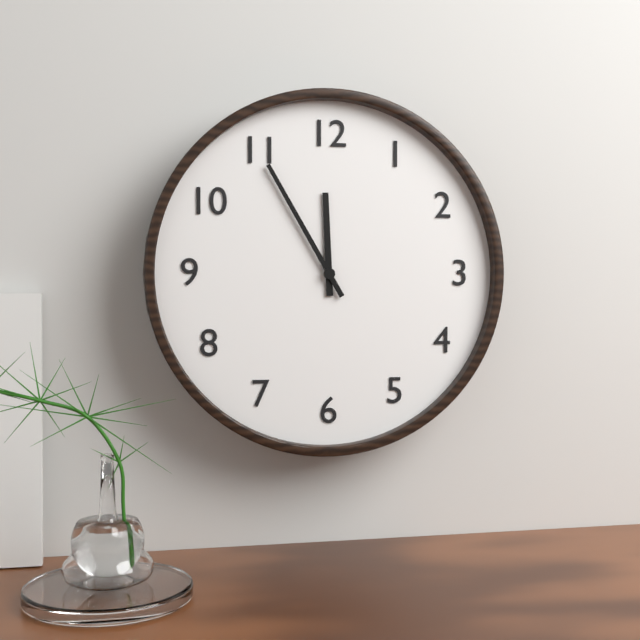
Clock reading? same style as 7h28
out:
11h55
